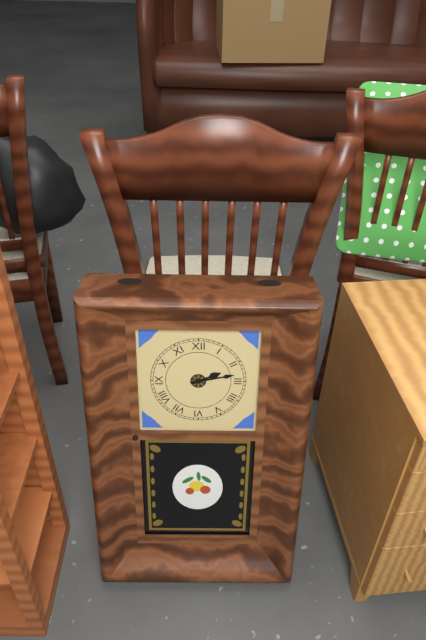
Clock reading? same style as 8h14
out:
2h13
